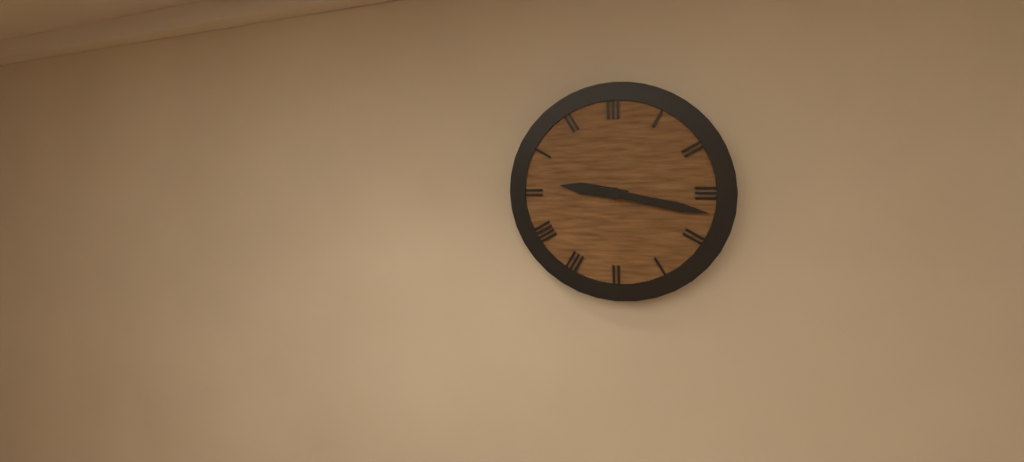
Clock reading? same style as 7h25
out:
9h17
